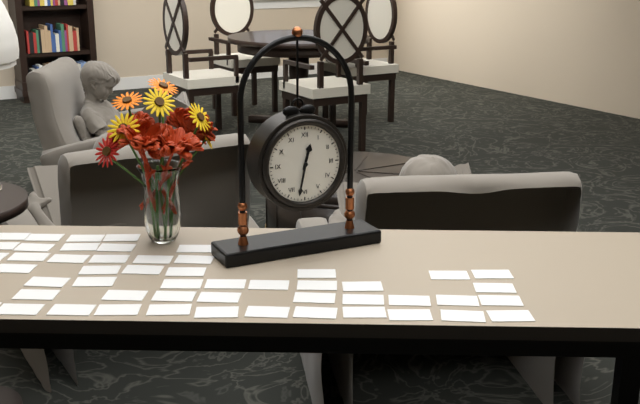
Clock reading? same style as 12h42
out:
12h32
